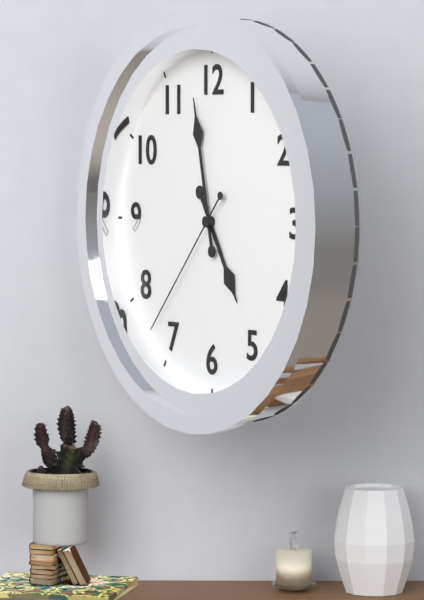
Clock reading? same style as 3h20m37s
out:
4h58m37s
